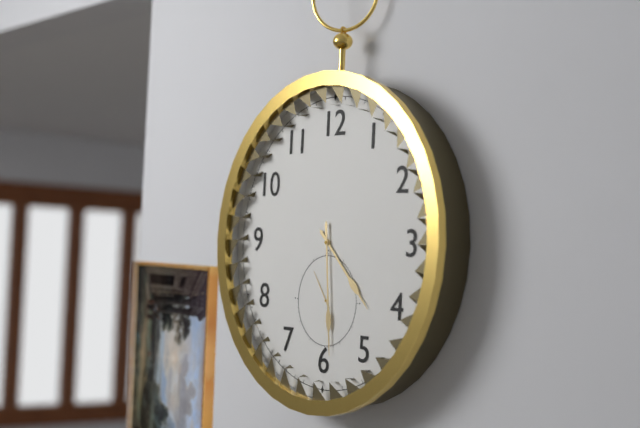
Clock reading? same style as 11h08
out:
4h29
